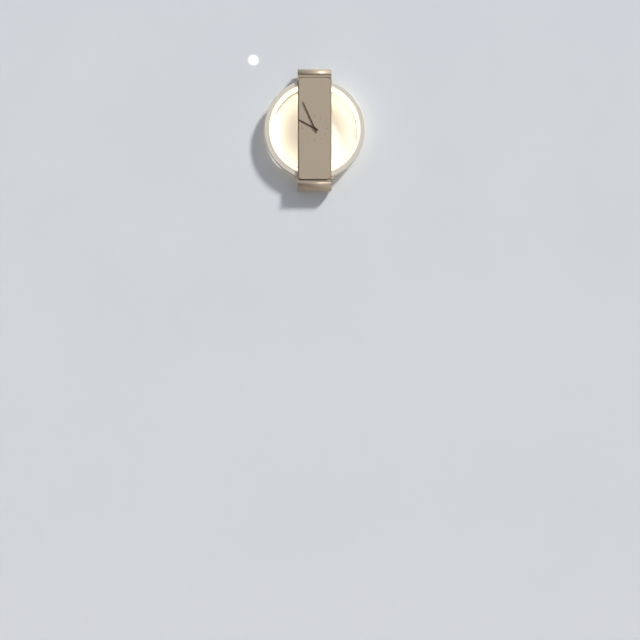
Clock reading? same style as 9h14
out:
9h56
